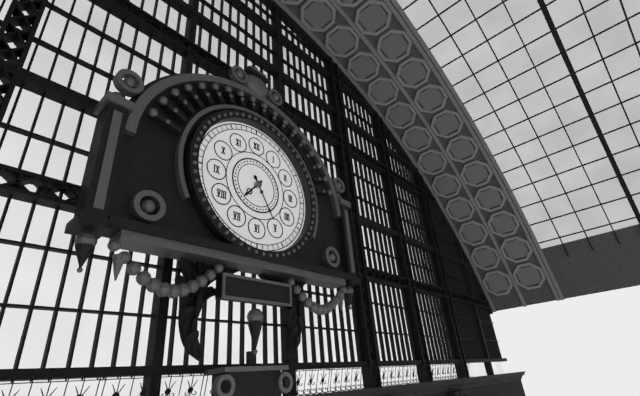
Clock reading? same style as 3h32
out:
7h25
